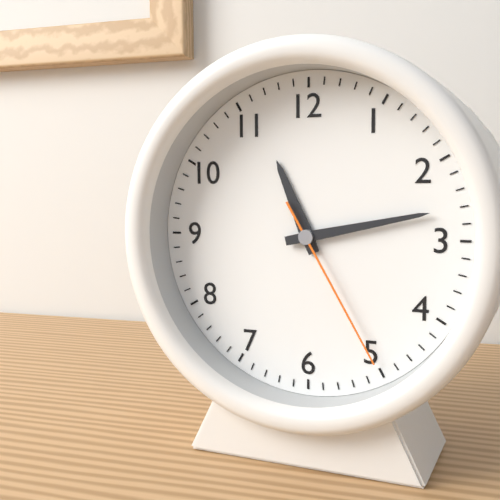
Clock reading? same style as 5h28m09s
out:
11h13m25s
